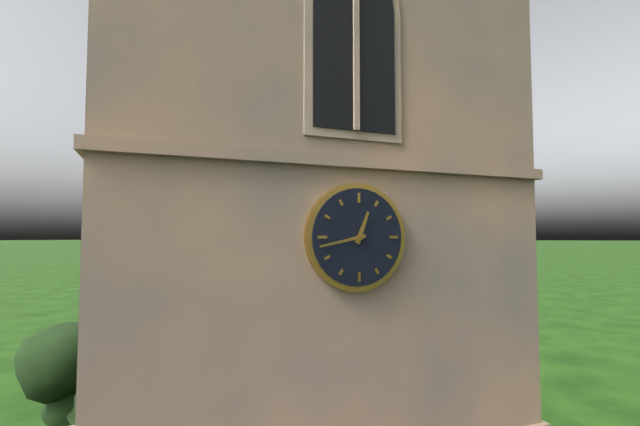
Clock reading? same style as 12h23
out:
12h43
